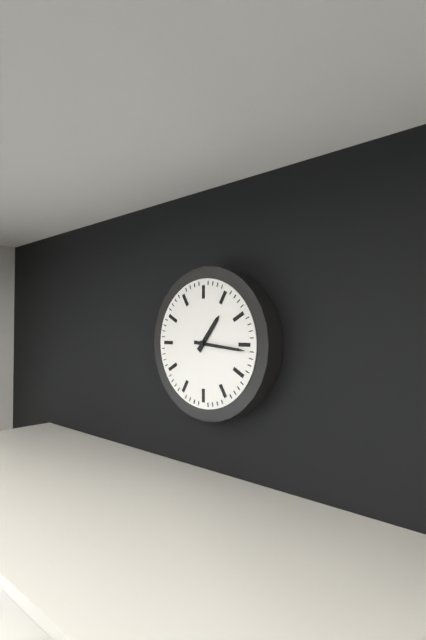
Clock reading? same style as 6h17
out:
1h16
